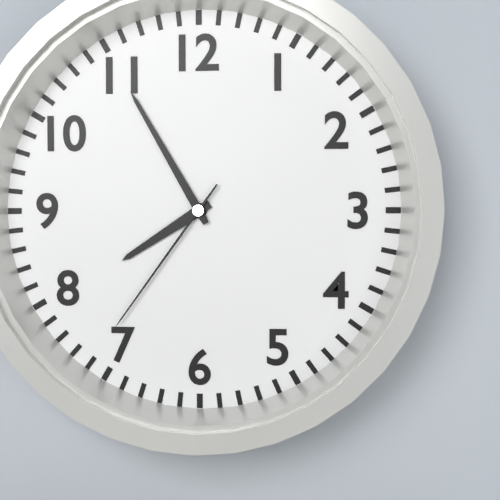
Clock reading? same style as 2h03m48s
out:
7h55m36s
